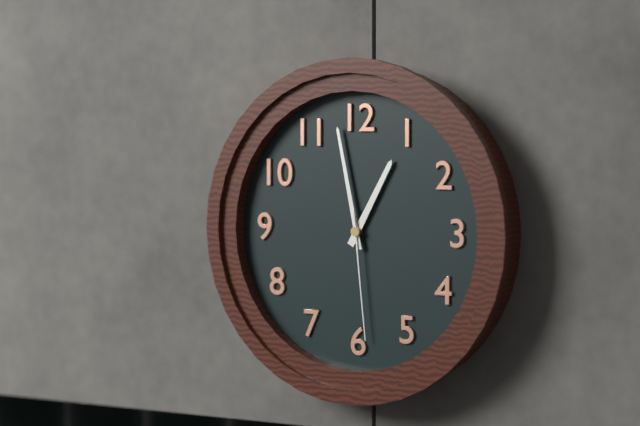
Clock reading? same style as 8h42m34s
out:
12h58m29s
